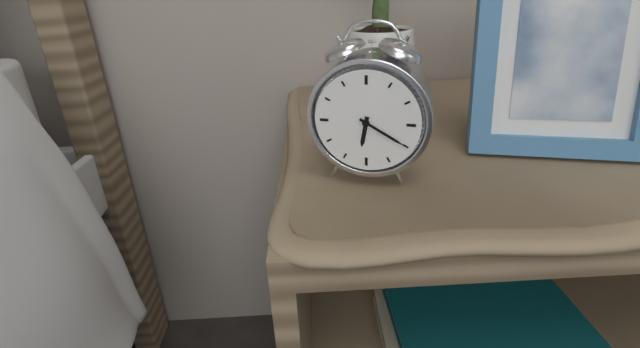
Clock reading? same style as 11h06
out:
6h20
